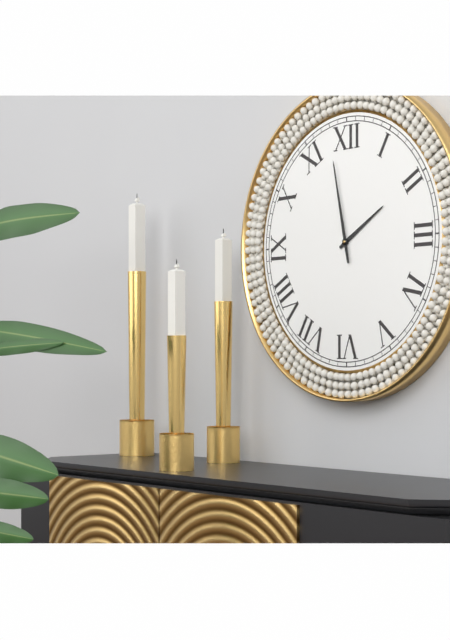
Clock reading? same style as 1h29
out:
1h58
